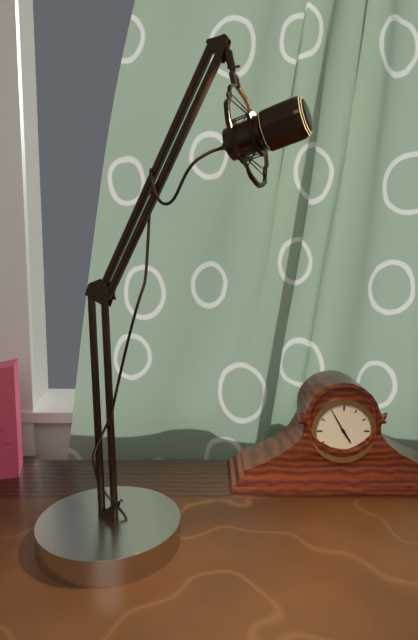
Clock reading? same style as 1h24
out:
4h55
